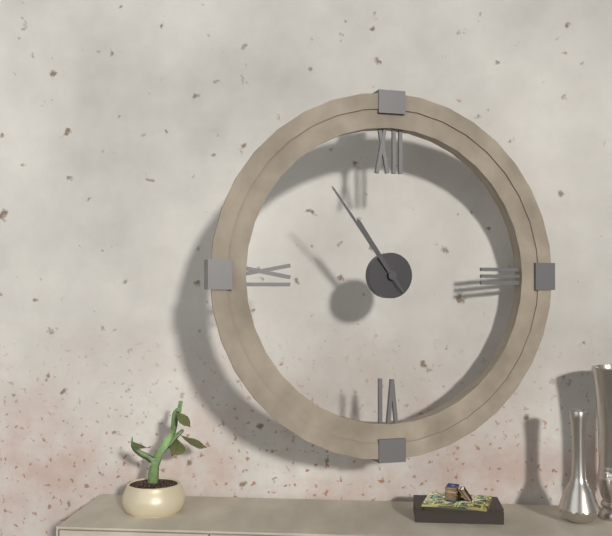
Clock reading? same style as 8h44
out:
10h54
